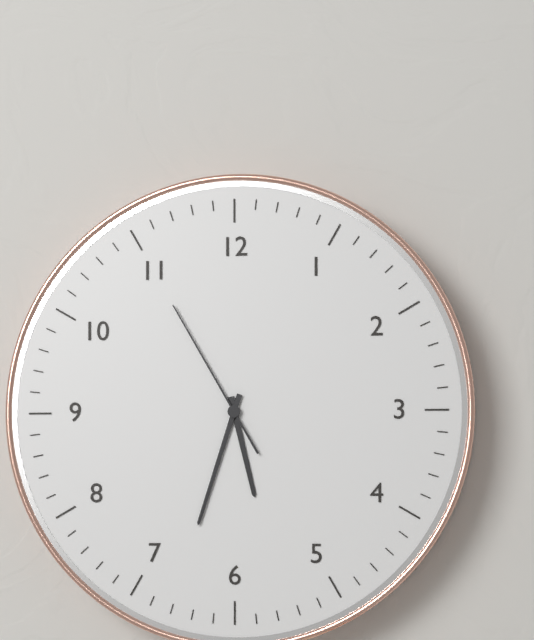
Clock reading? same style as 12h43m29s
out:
5h33m55s
